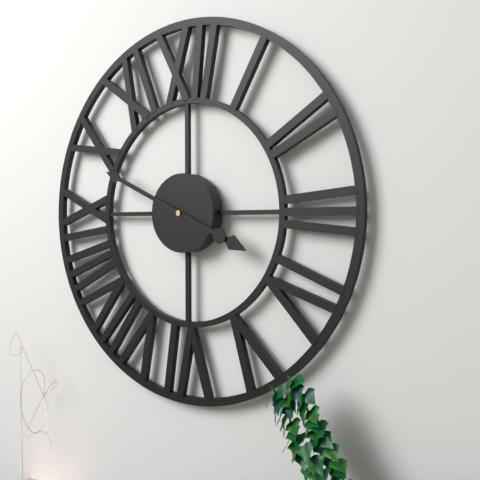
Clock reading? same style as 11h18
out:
3h49
